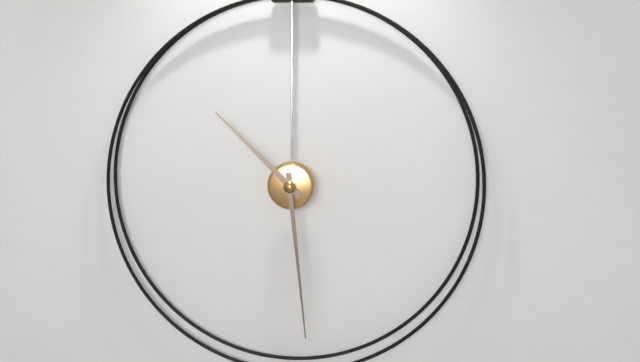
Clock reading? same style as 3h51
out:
10h29
